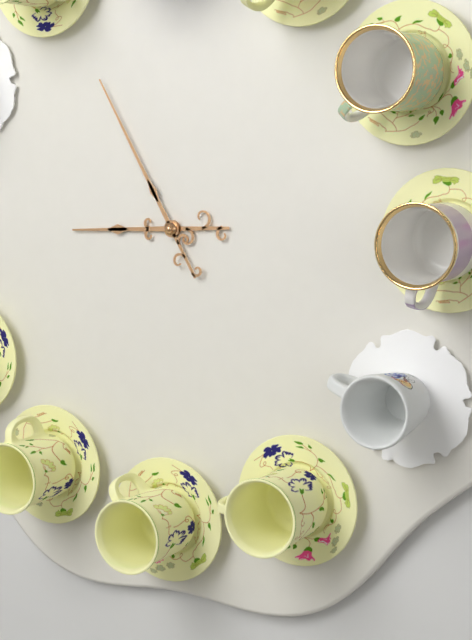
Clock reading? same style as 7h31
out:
8h55
